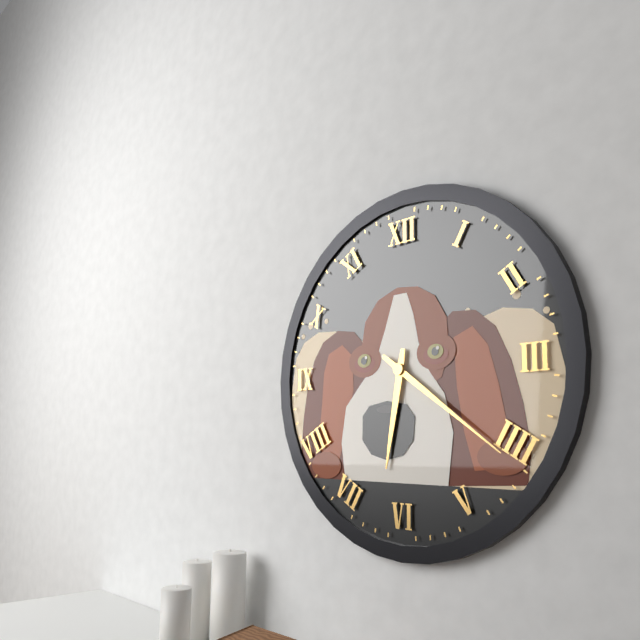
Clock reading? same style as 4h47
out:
6h21
